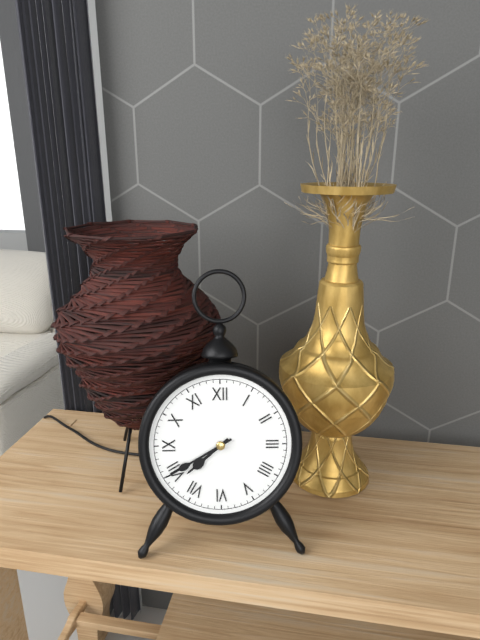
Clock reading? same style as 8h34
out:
7h40
